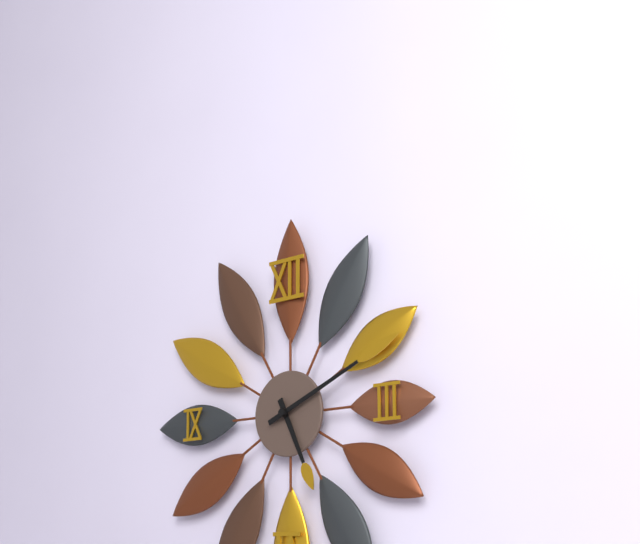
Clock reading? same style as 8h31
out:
5h11
